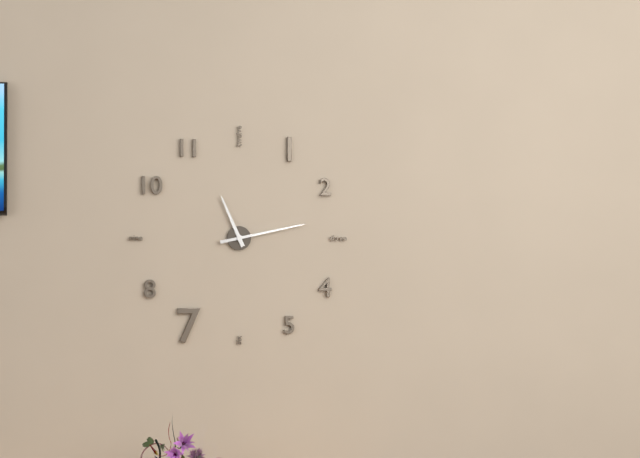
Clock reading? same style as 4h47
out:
11h13
